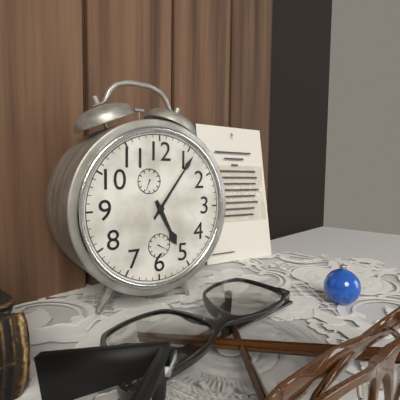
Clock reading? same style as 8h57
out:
5h06
